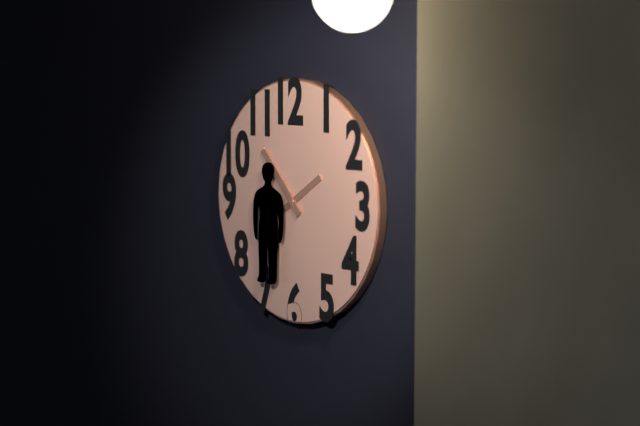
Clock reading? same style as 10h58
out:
1h53
